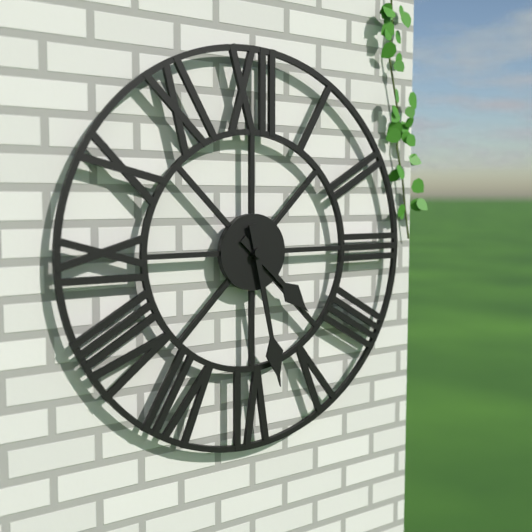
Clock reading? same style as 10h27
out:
4h28
